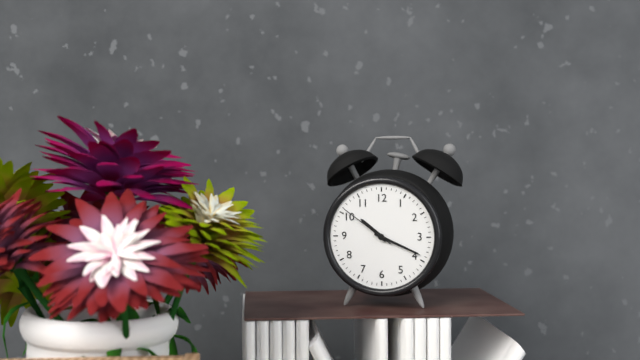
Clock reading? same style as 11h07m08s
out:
10h19m51s
